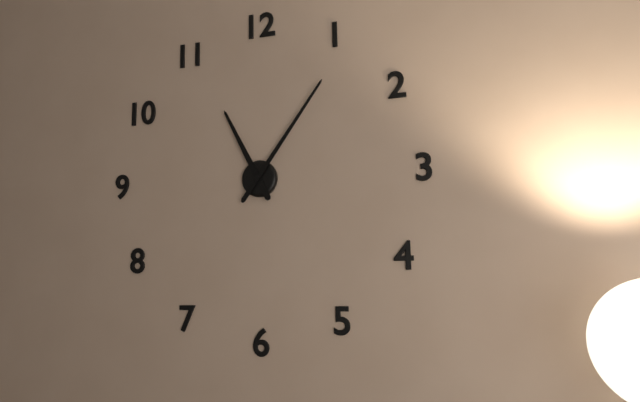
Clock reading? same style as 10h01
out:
11h06
